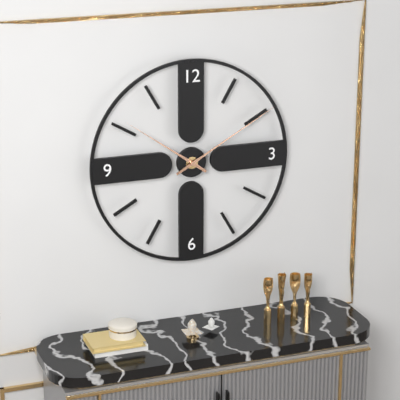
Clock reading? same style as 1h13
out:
10h10
